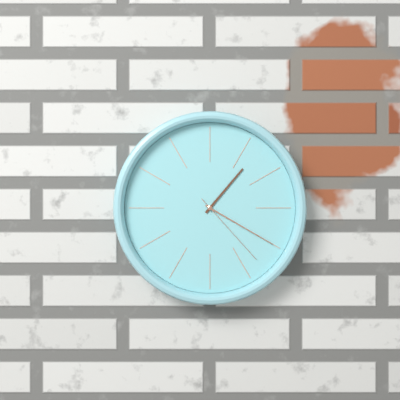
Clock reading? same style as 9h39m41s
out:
1h20m23s
